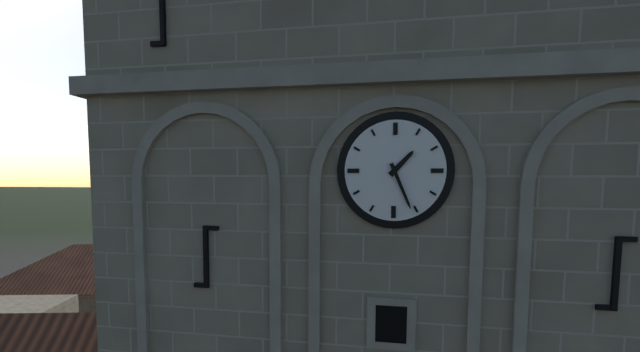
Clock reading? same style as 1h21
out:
1h26
